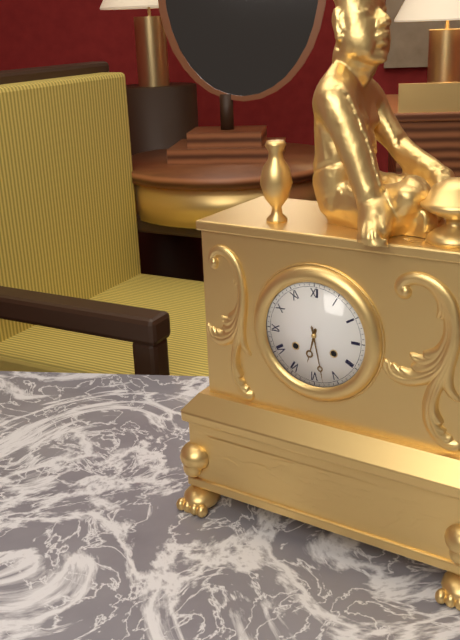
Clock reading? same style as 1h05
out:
6h28
